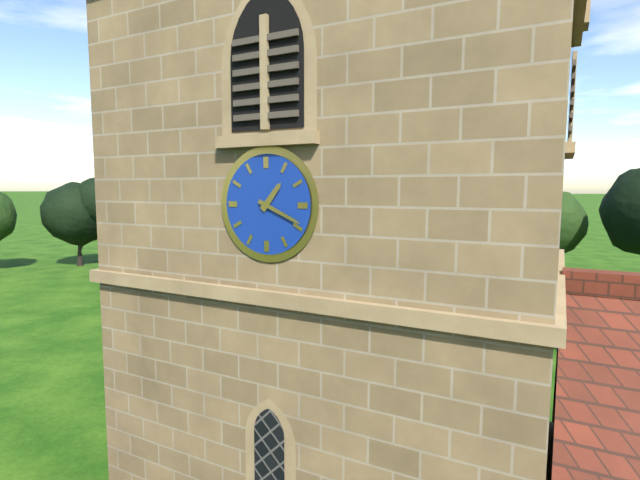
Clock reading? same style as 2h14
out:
1h19
